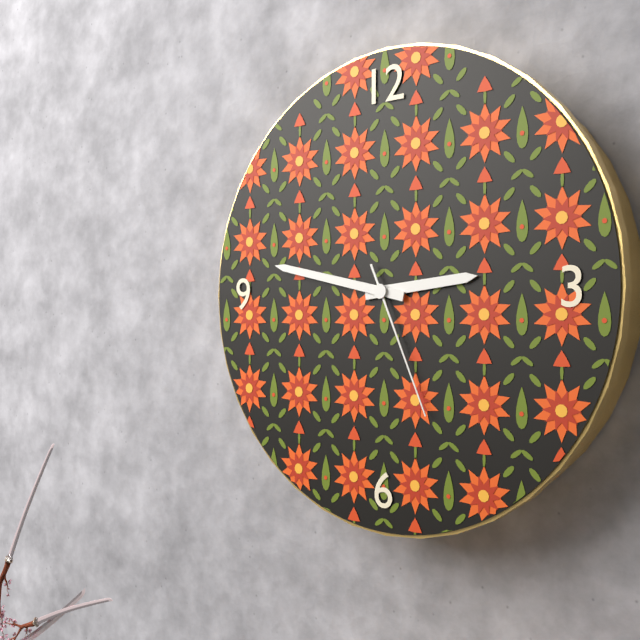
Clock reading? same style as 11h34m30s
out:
2h47m26s
